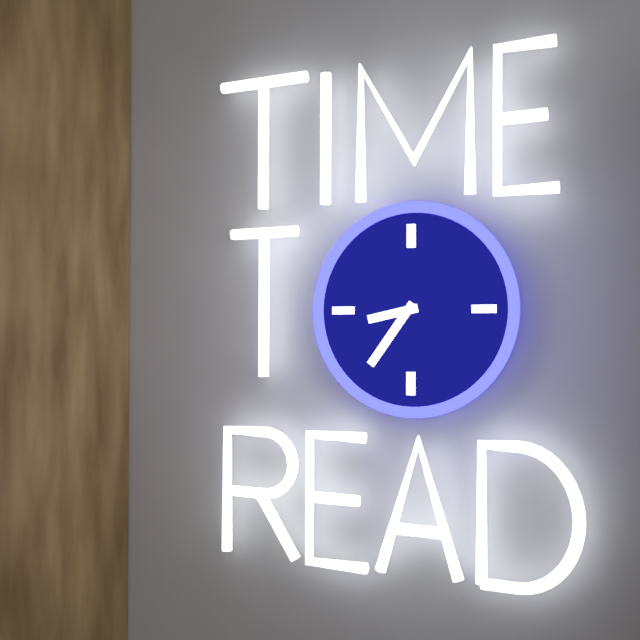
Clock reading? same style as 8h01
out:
8h36
